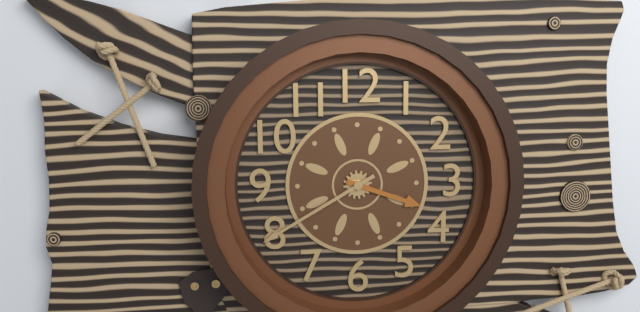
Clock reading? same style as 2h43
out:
3h40
